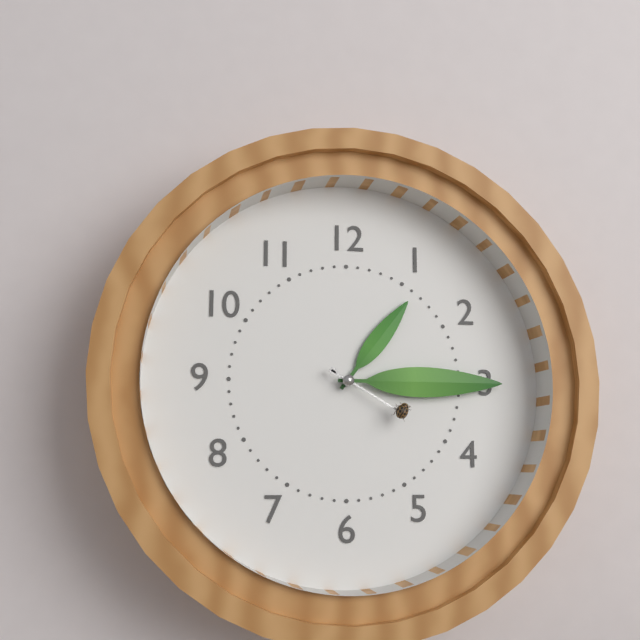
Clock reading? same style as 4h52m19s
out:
1h15m20s
